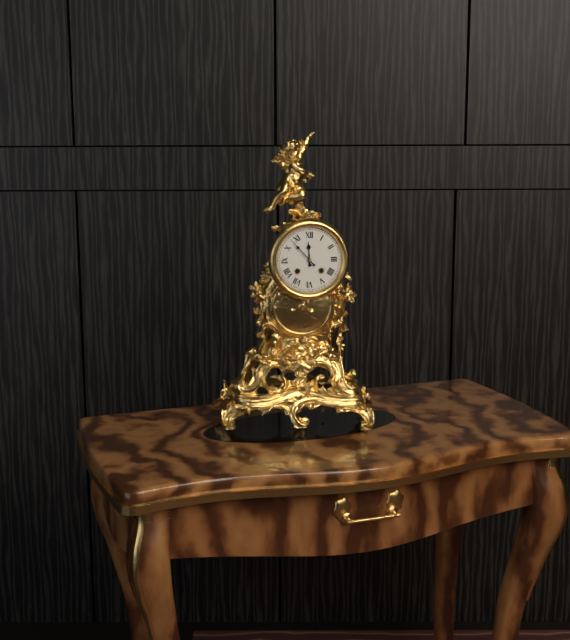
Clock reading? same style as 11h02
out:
11h53
